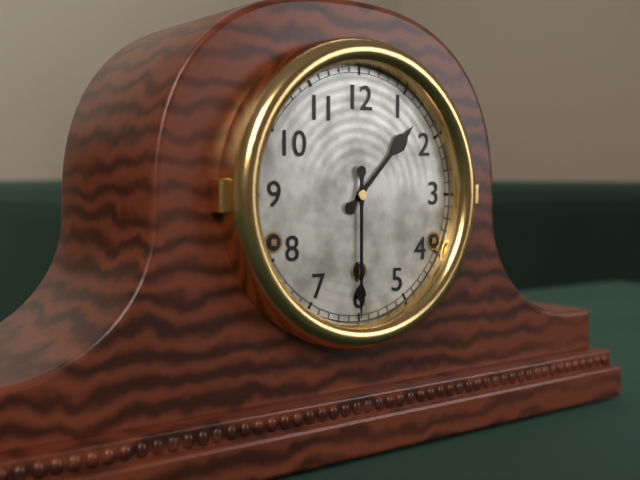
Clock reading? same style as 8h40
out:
1h30
